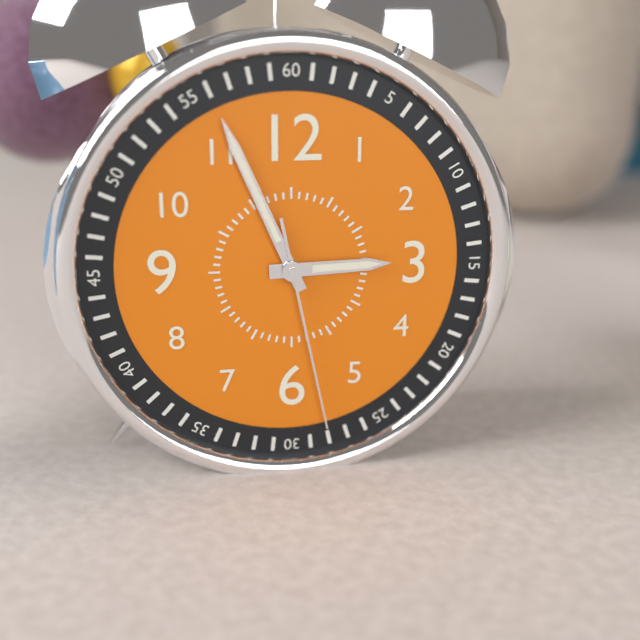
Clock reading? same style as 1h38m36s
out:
2h56m28s
